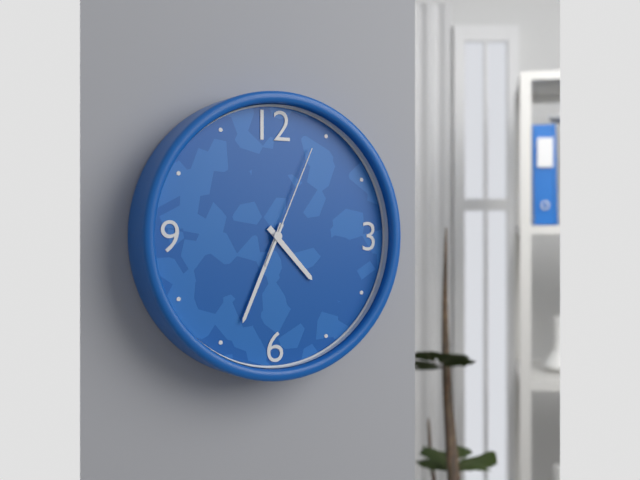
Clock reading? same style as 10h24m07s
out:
4h34m04s
